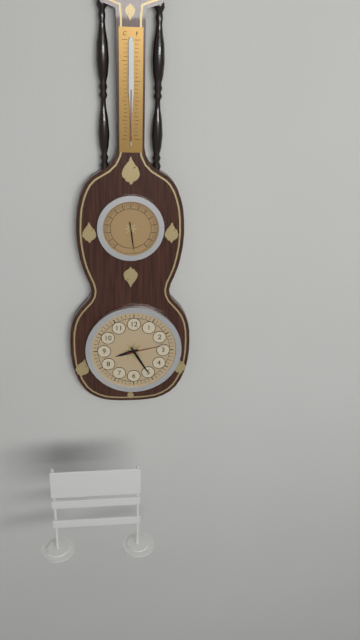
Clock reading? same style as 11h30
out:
8h25
